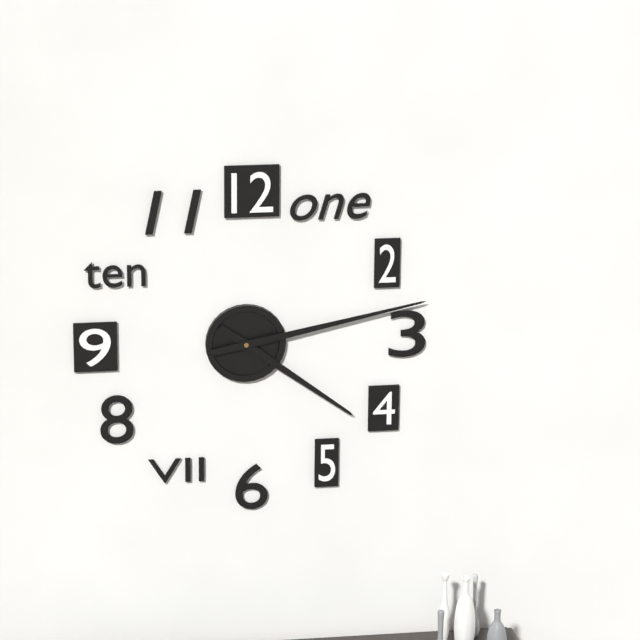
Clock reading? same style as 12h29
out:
4h13
